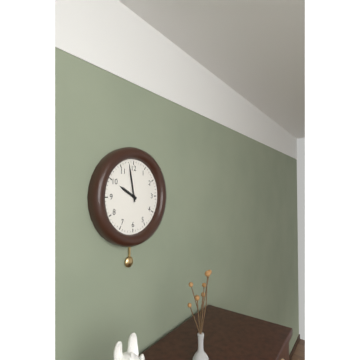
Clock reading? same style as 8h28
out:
9h58
